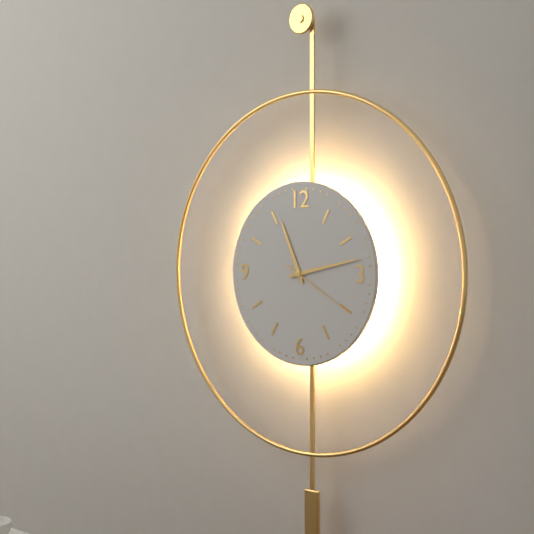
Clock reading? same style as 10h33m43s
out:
11h13m20s
